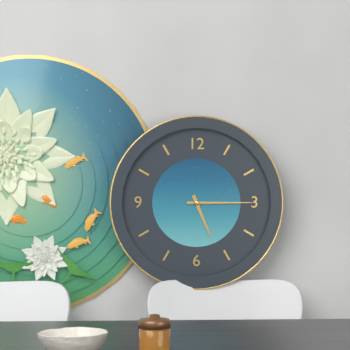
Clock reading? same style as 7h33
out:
5h15
